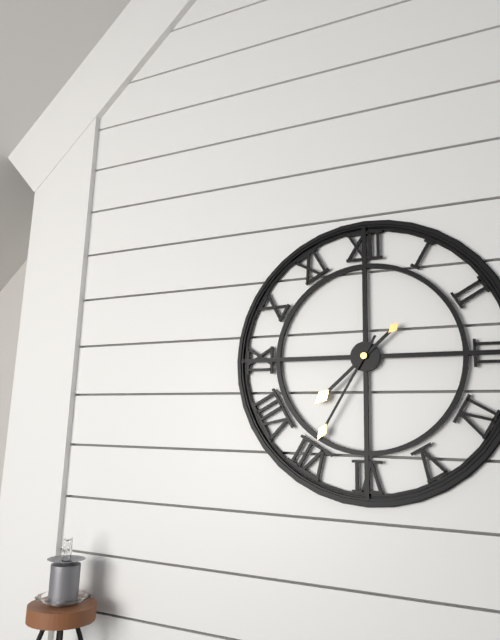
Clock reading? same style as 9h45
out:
7h35
